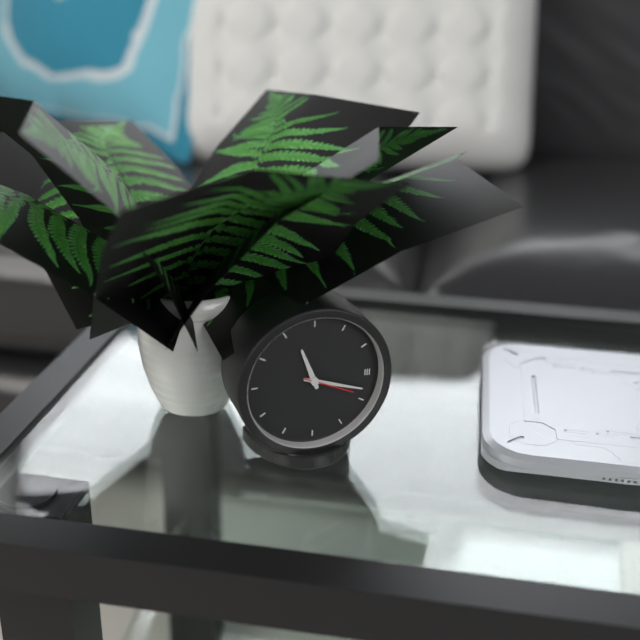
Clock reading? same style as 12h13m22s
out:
11h18m19s
